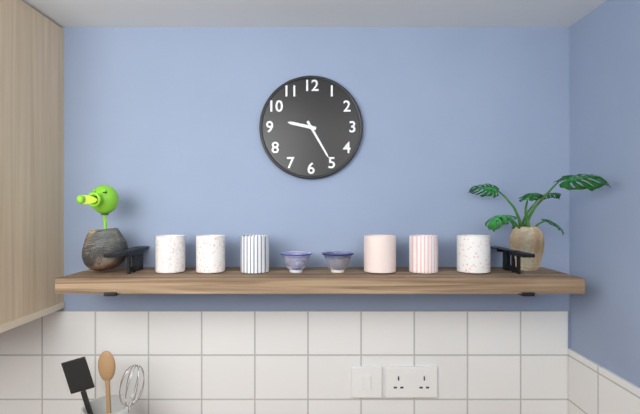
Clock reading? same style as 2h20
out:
9h25
